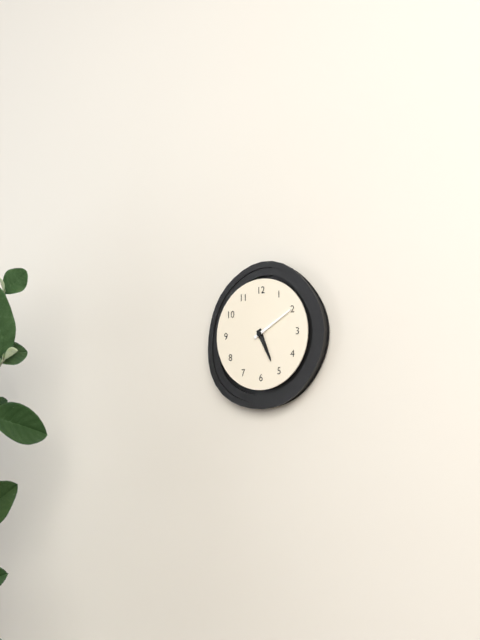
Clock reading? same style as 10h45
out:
5h10
